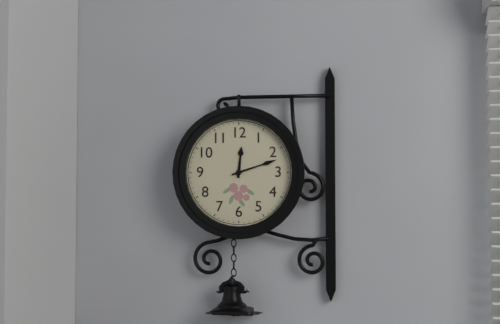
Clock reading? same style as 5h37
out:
12h12
